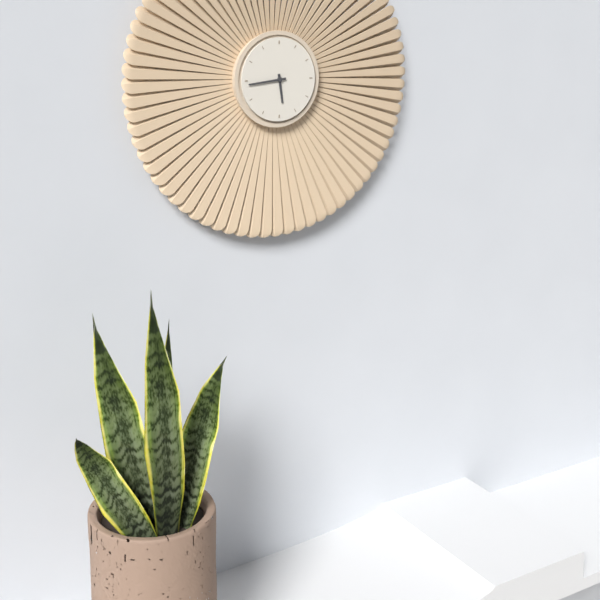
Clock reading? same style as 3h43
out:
5h44
